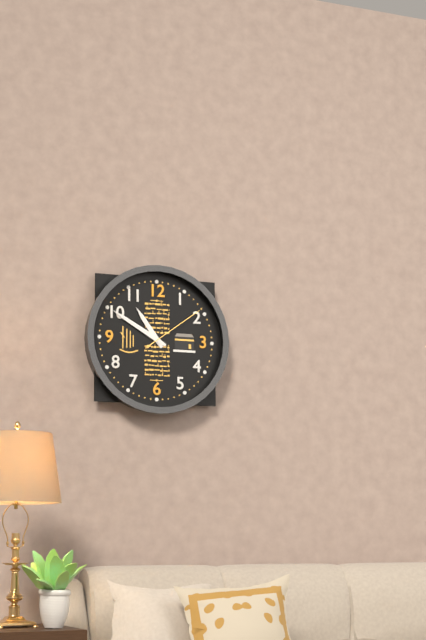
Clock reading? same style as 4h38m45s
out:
10h50m09s
